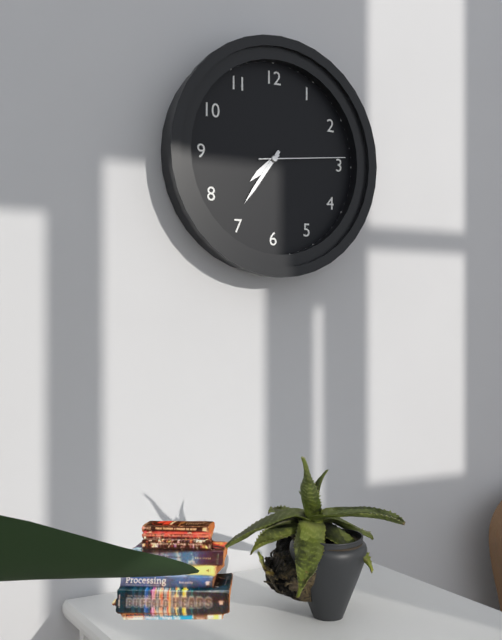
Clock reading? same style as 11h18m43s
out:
7h36m14s
